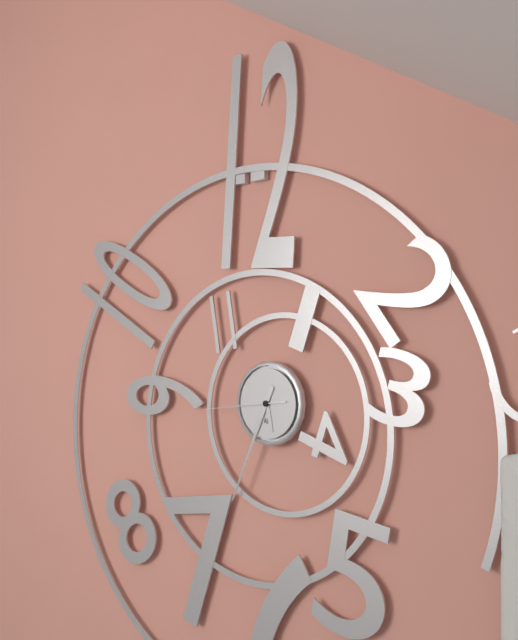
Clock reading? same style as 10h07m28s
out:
5h34m44s
